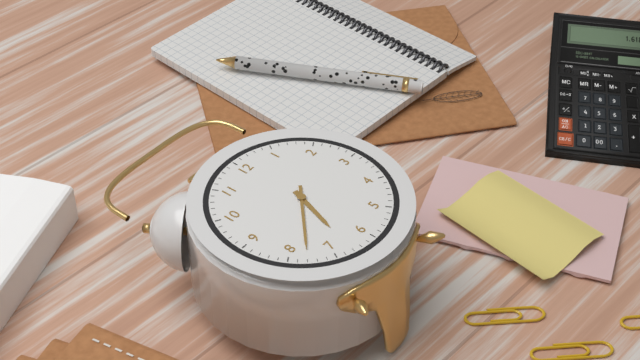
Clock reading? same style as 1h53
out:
6h38
